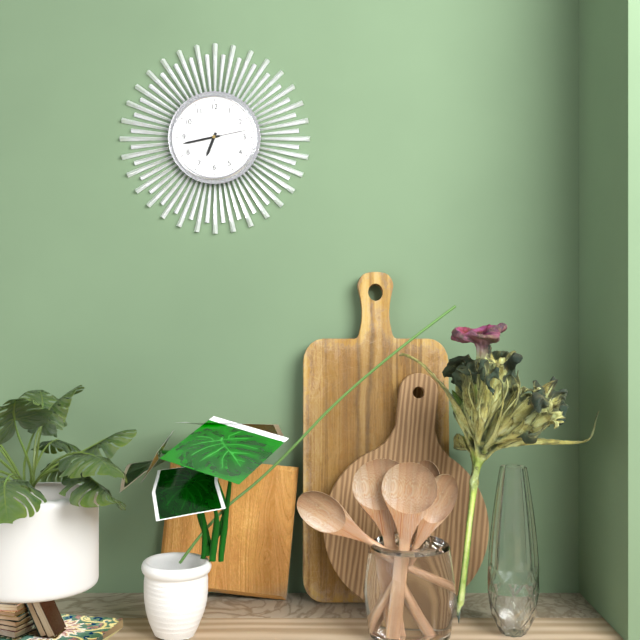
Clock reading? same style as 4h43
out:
6h43
